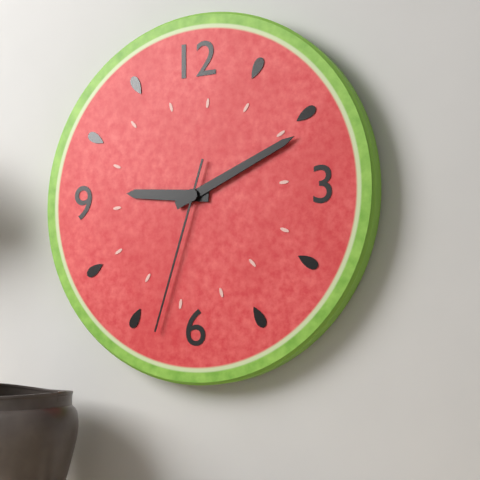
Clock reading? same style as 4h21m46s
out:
9h11m33s
